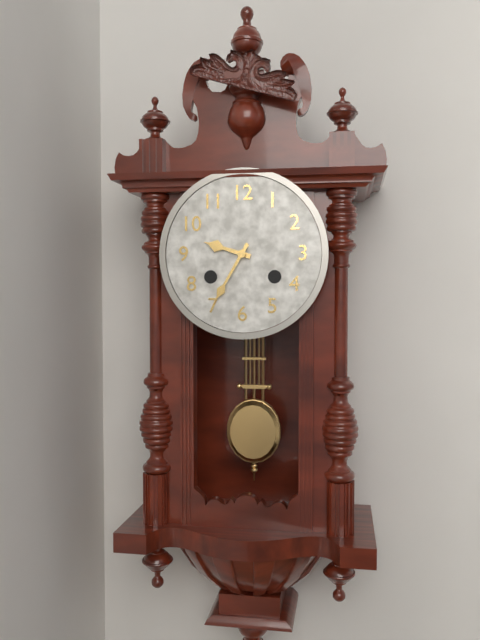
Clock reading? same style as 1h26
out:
9h35
